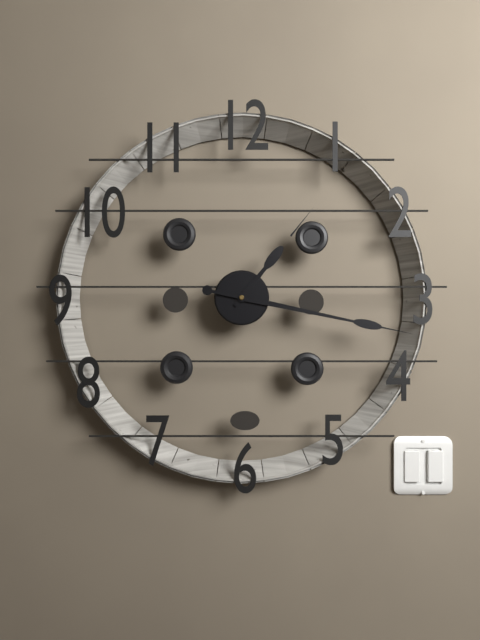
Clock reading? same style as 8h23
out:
1h17
